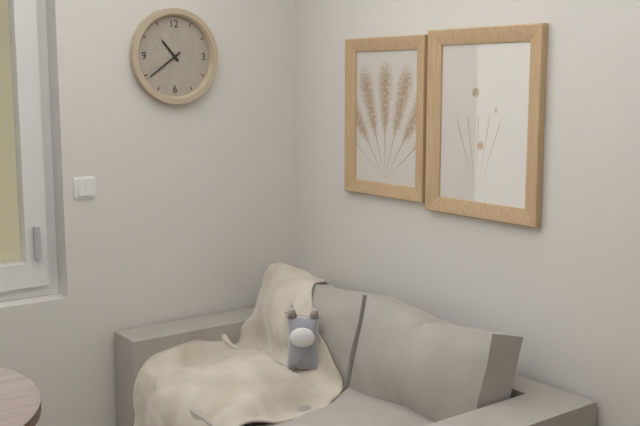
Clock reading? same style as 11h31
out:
10h39
